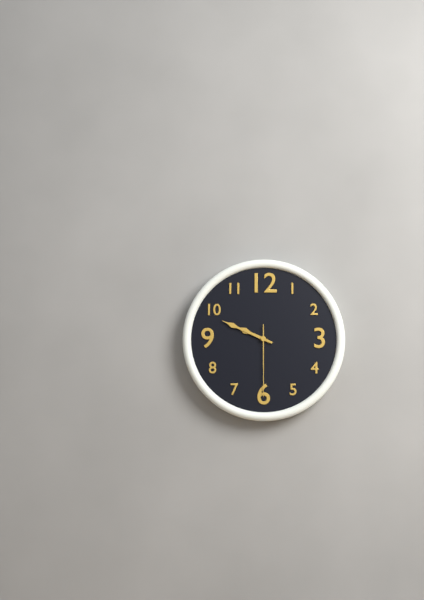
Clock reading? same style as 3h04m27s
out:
9h49m30s
